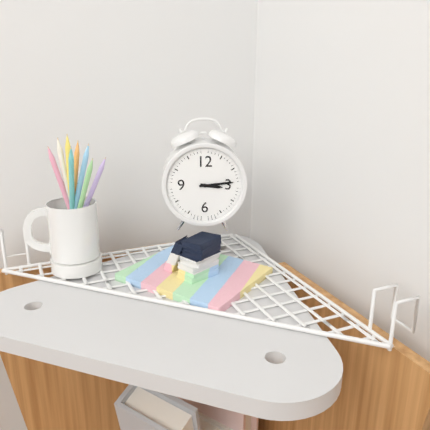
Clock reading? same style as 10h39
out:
3h14
